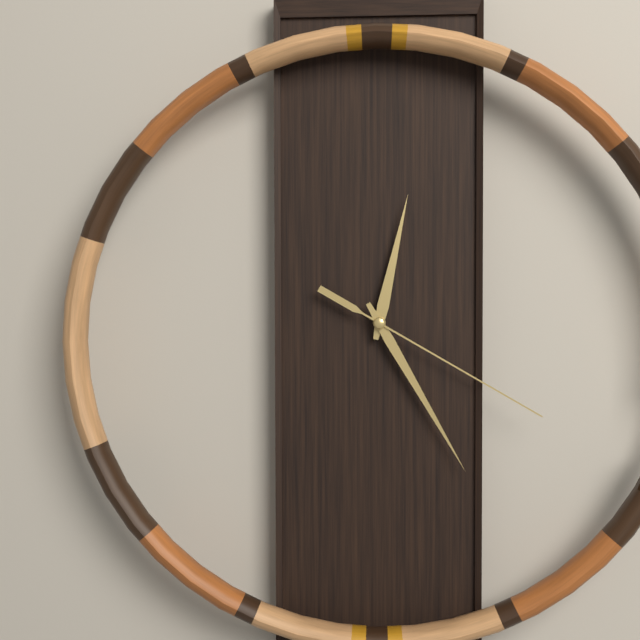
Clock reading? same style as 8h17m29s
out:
12h25m20s
